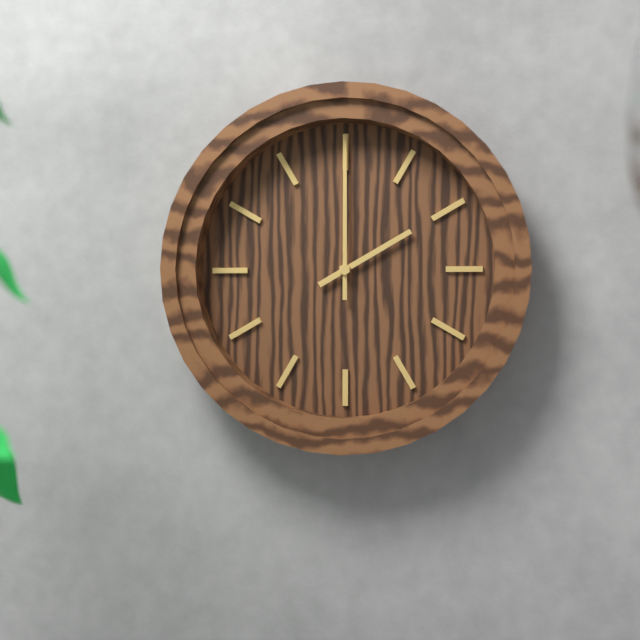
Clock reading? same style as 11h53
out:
2h00
